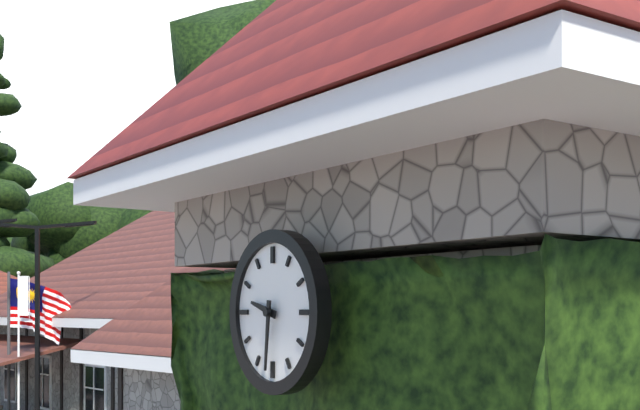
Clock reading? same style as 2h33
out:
9h31
